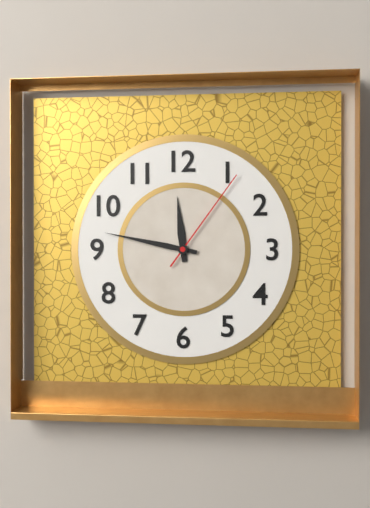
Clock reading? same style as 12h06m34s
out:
11h47m06s
